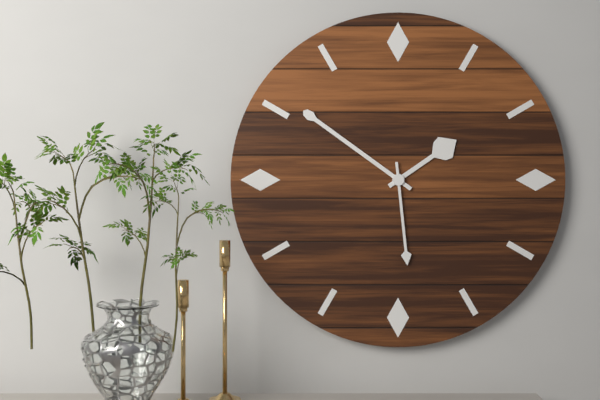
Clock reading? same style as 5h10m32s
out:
1h51m29s
